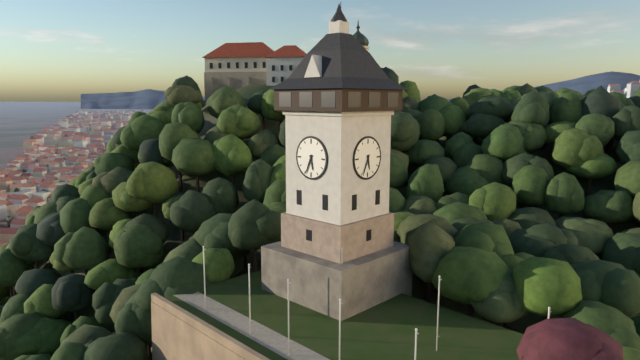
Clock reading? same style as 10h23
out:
5h34
